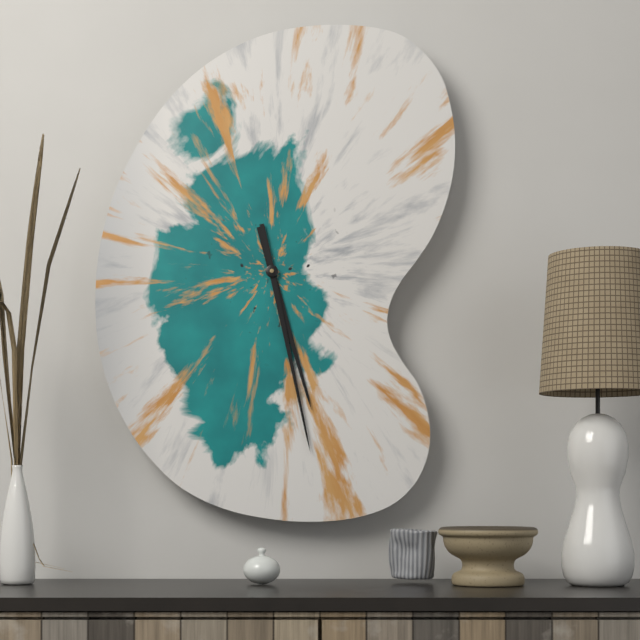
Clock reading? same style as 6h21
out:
5h28
